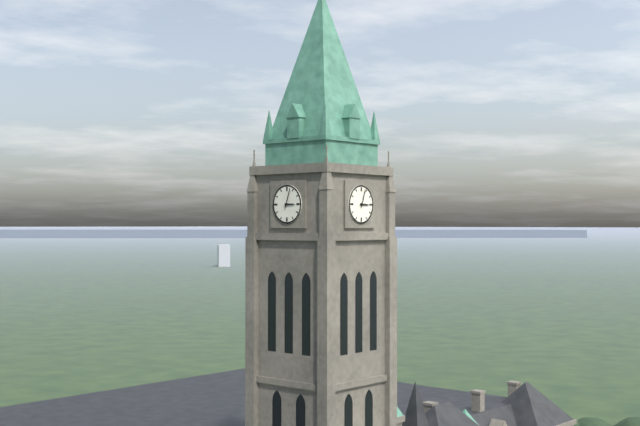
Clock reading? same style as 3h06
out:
3h03
